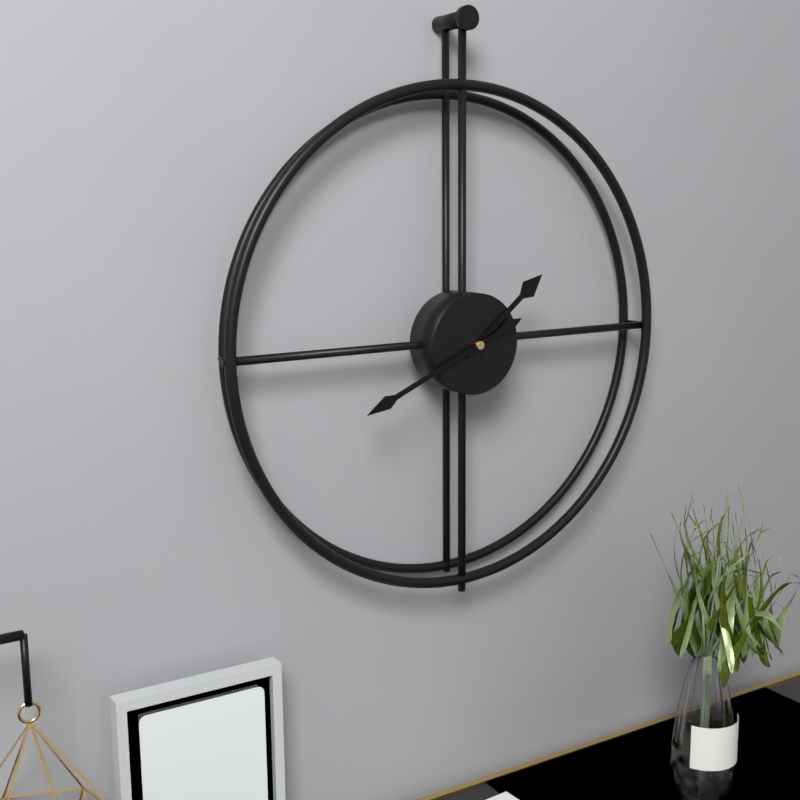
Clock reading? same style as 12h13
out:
1h41
